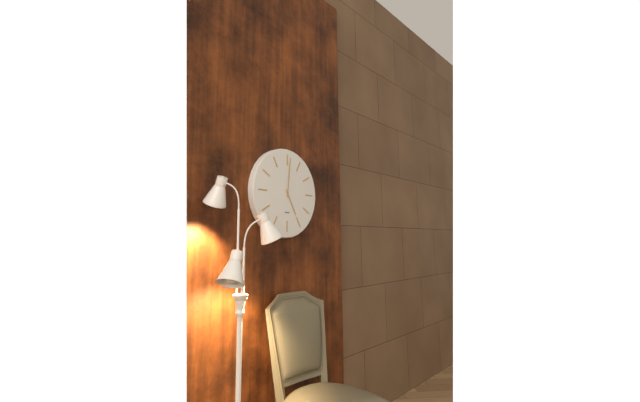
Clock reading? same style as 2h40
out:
5h01
